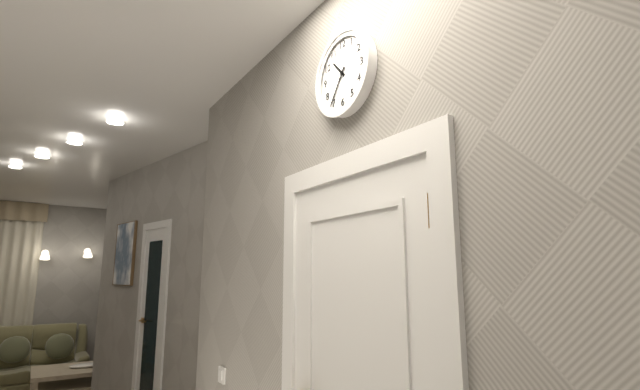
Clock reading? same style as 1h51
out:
10h36
